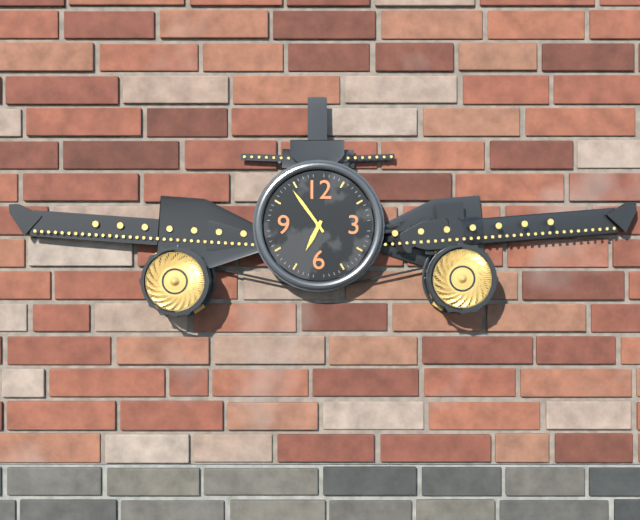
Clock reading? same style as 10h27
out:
6h54
